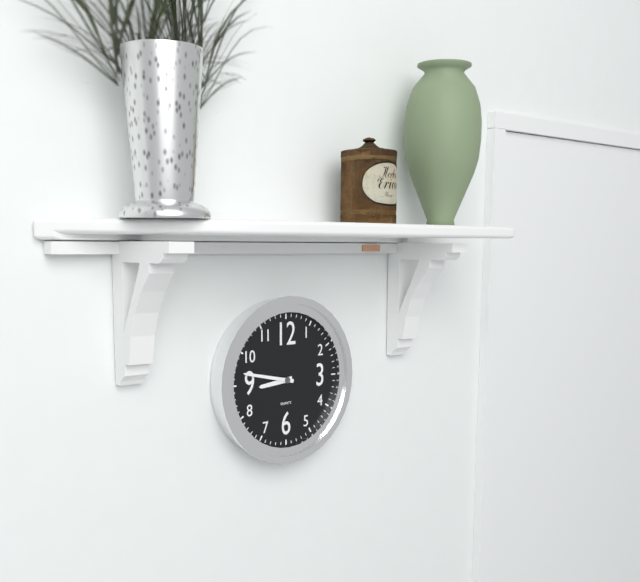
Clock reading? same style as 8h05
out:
8h47
